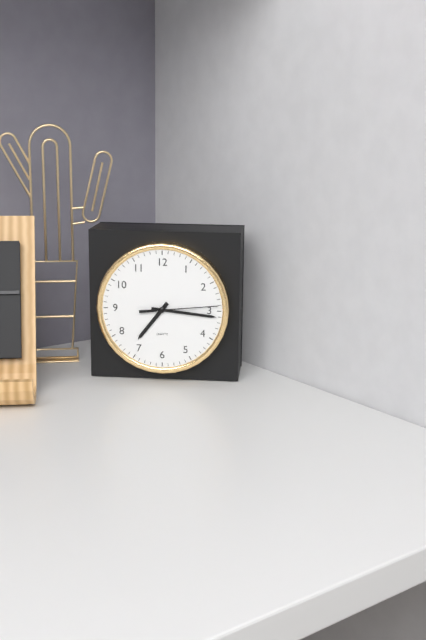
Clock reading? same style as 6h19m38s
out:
7h16m14s
